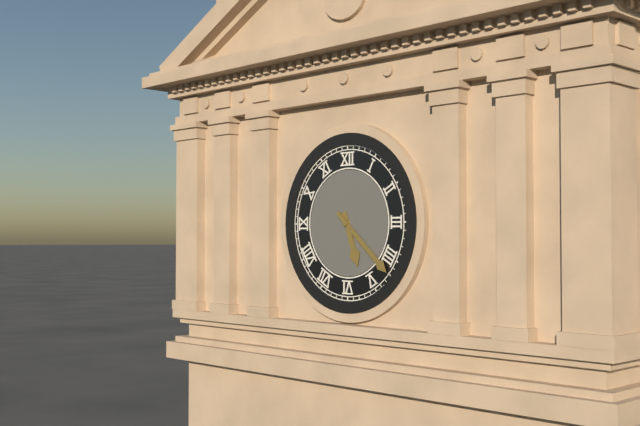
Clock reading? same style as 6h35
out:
5h22
